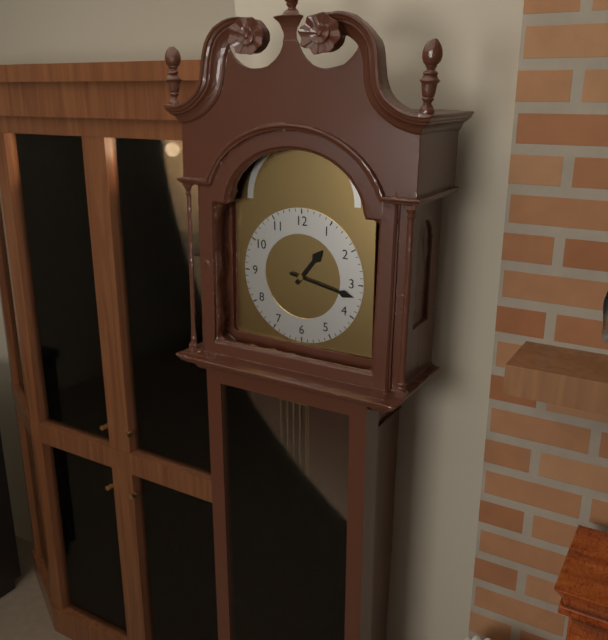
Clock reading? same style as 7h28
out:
1h17
